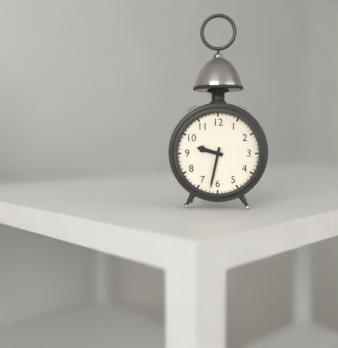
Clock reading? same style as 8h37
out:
9h32
